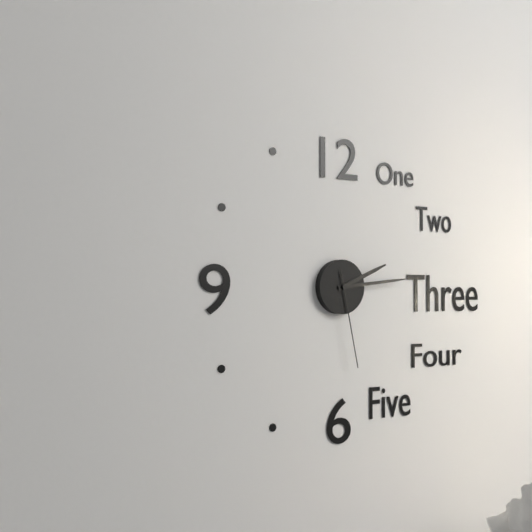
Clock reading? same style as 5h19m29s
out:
2h14m28s
